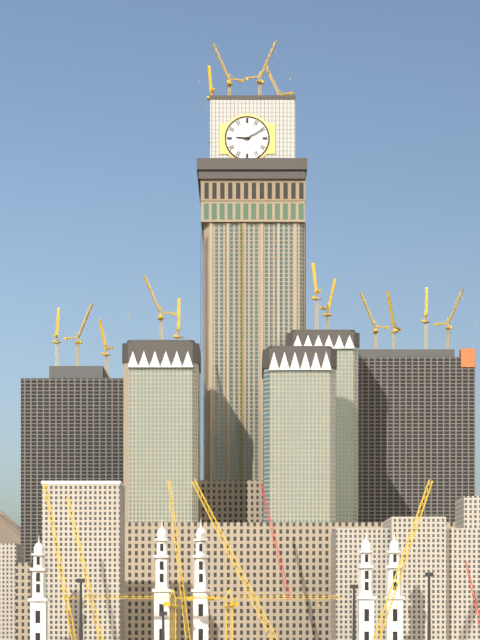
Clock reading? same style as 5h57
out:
9h10
